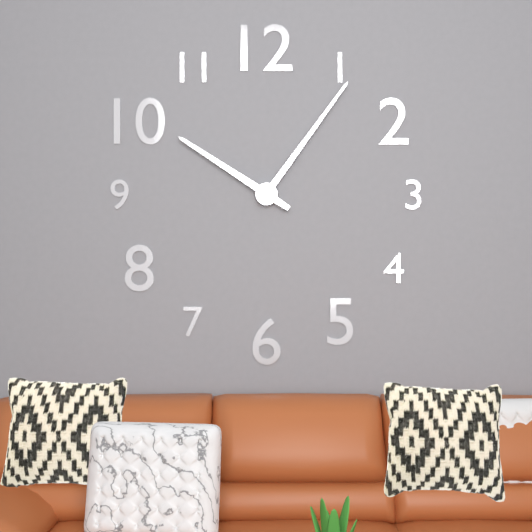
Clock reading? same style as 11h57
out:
10h06
